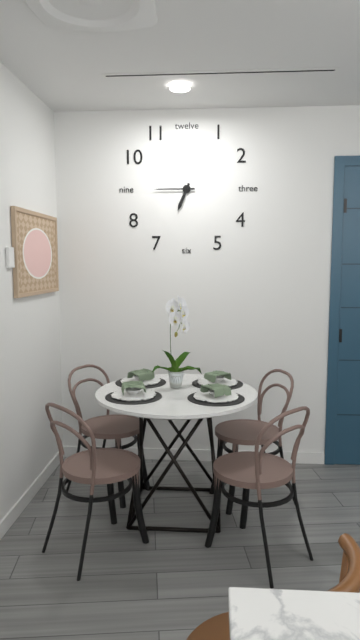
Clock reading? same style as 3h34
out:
6h45
